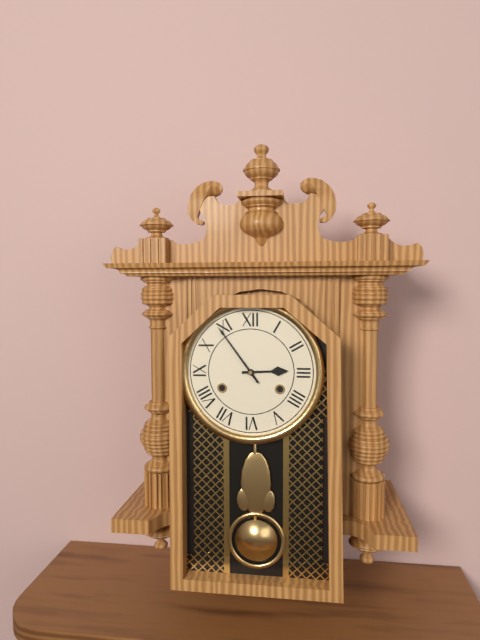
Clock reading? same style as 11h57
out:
2h54
